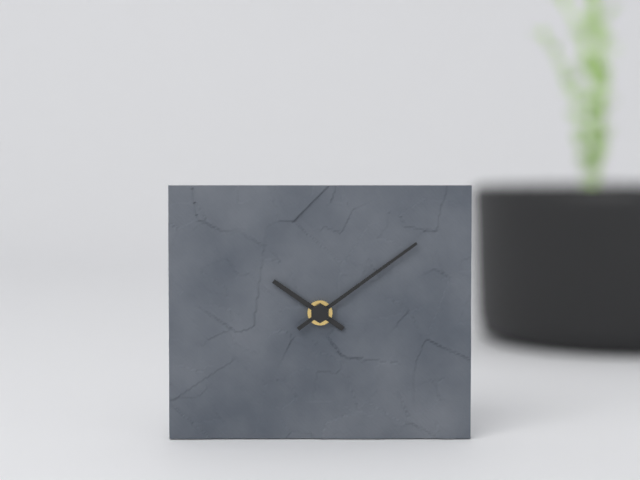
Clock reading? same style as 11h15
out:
10h09
